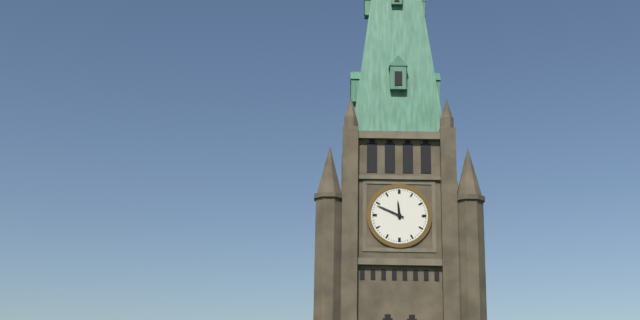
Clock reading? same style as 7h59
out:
11h49
